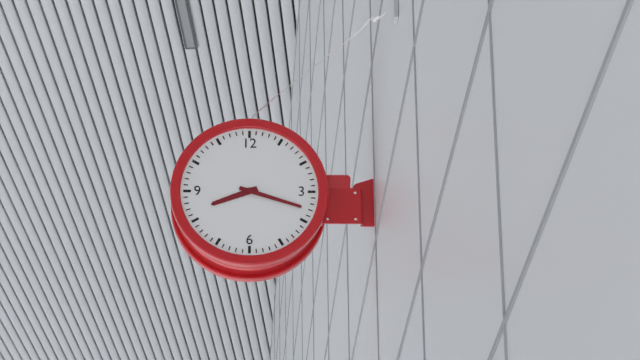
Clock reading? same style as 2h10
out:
8h18
